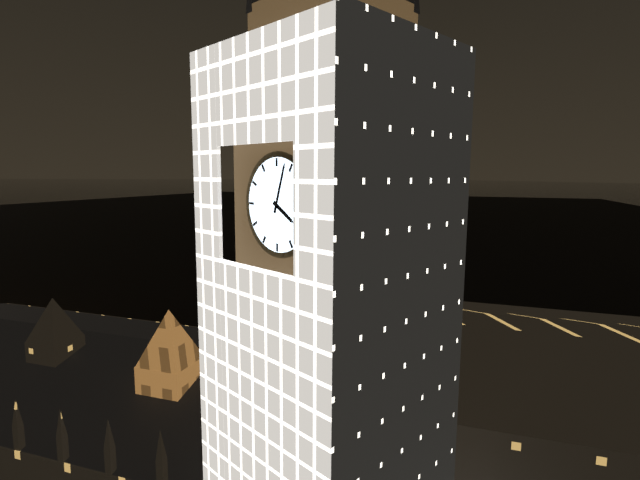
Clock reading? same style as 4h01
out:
4h03
